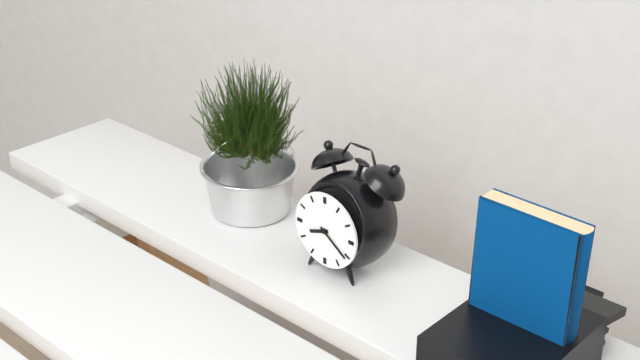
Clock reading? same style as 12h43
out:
8h21
